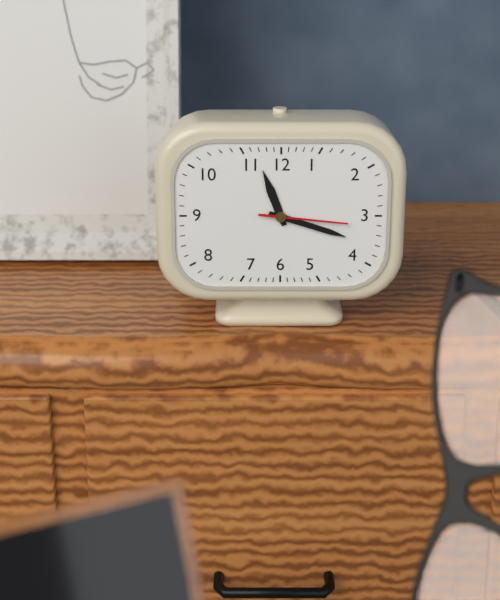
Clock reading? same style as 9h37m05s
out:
11h18m16s
